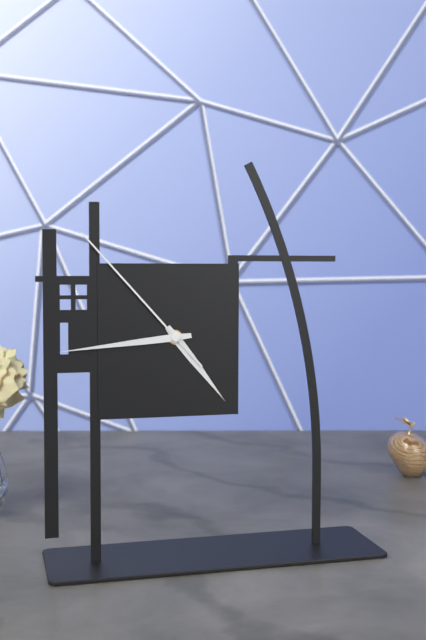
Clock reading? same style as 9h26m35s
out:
4h44m53s
